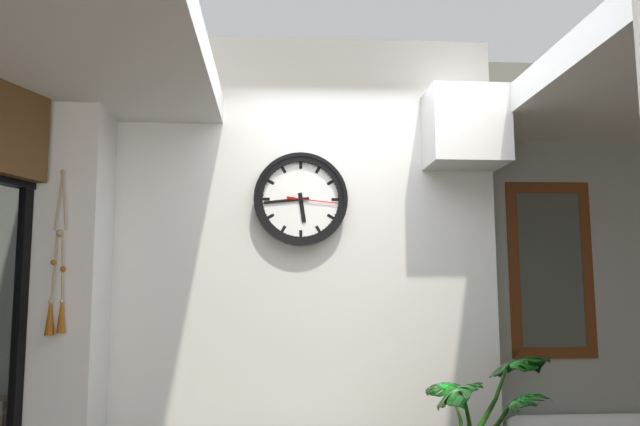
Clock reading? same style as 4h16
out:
5h44
